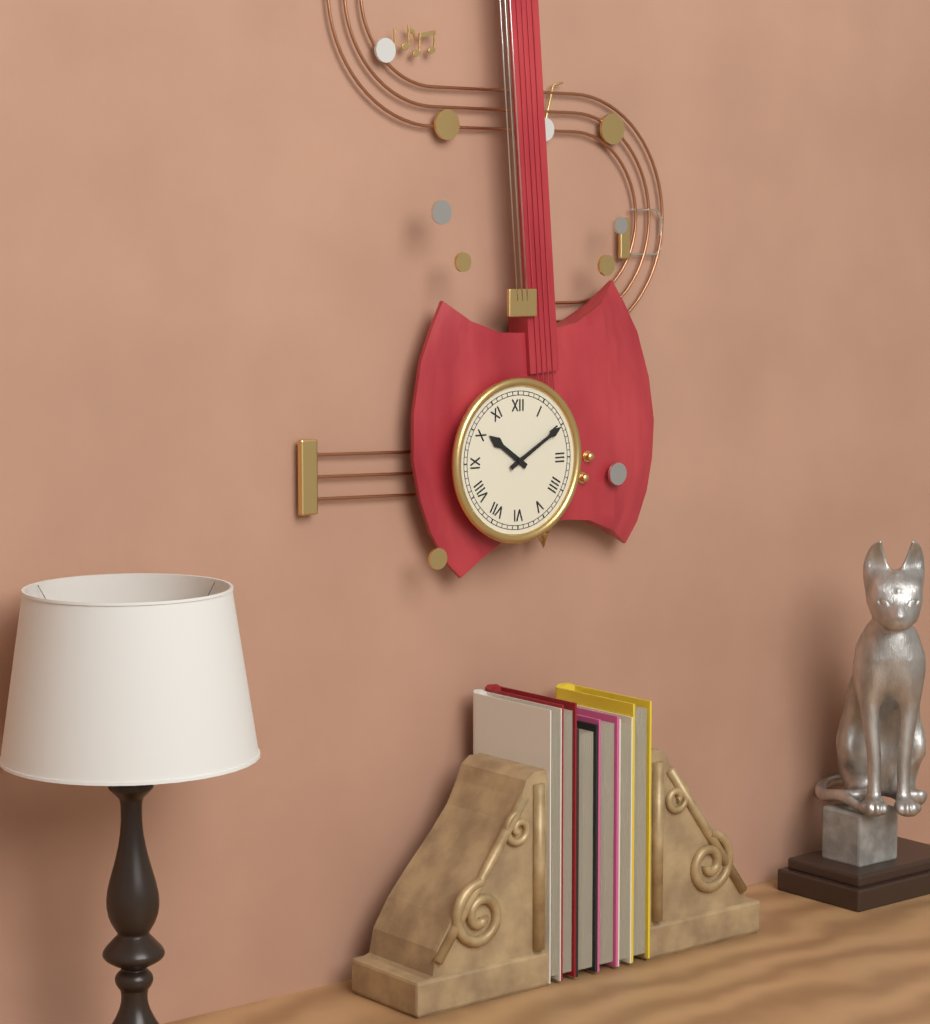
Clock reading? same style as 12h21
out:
10h10
